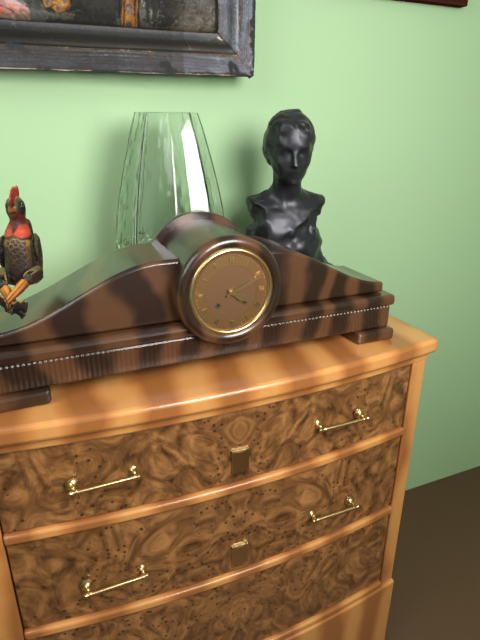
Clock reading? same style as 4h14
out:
4h11
